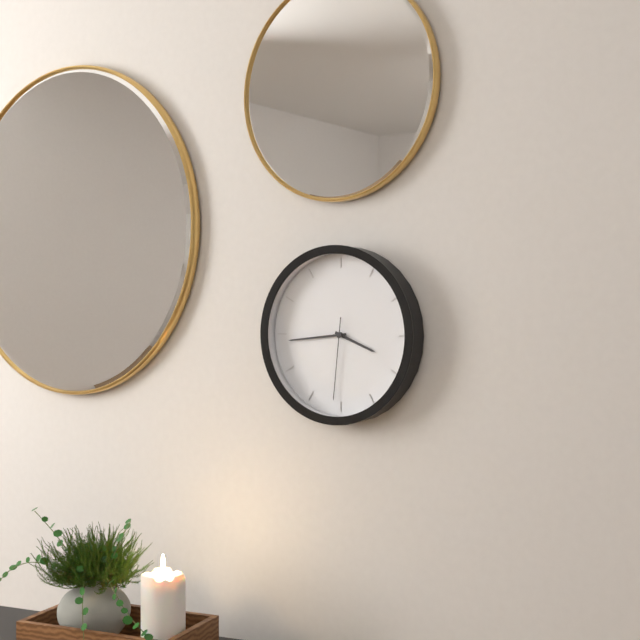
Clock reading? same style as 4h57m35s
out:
3h44m31s
